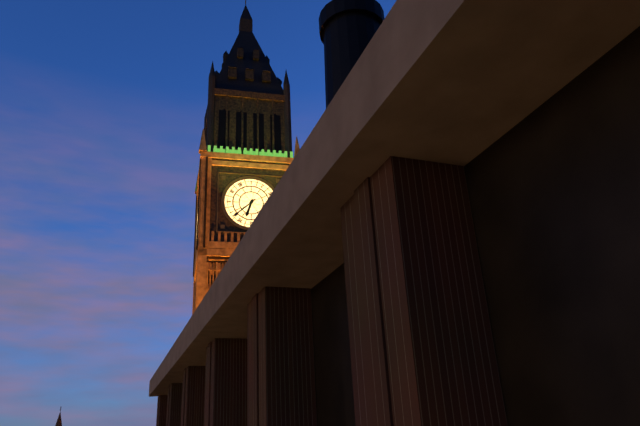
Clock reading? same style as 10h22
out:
6h38
